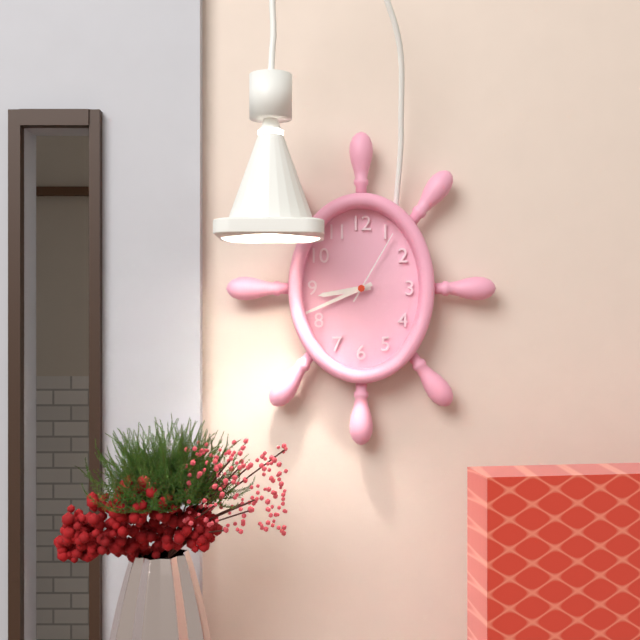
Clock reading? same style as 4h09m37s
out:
8h41m05s
